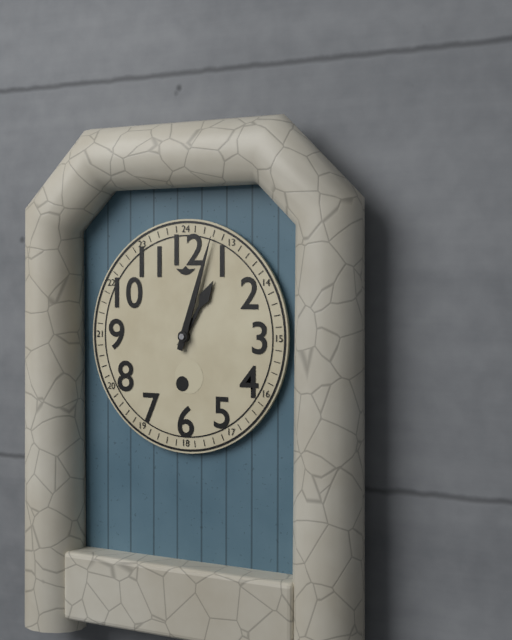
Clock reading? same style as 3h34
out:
1h03
